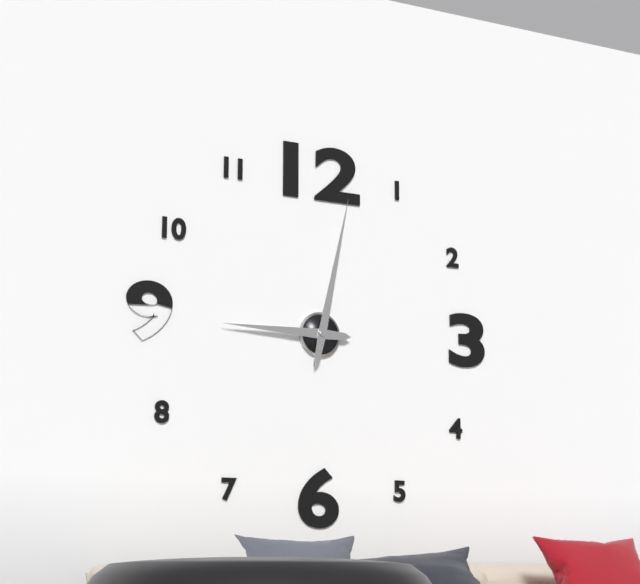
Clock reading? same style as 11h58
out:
9h02
